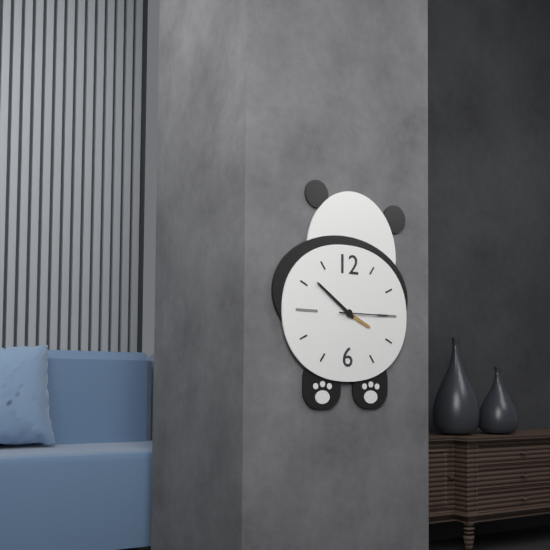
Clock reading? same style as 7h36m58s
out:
3h51m15s
